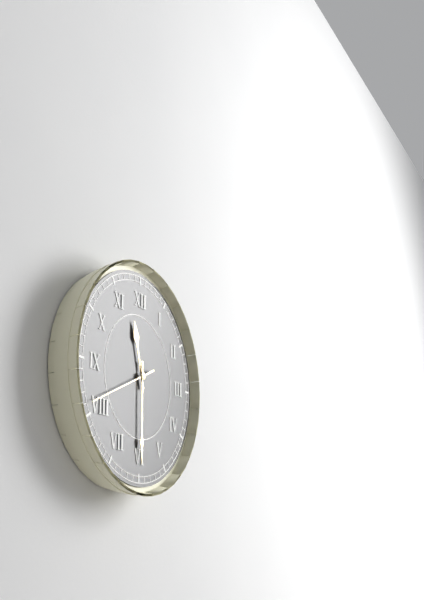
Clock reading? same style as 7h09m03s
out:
11h30m41s
